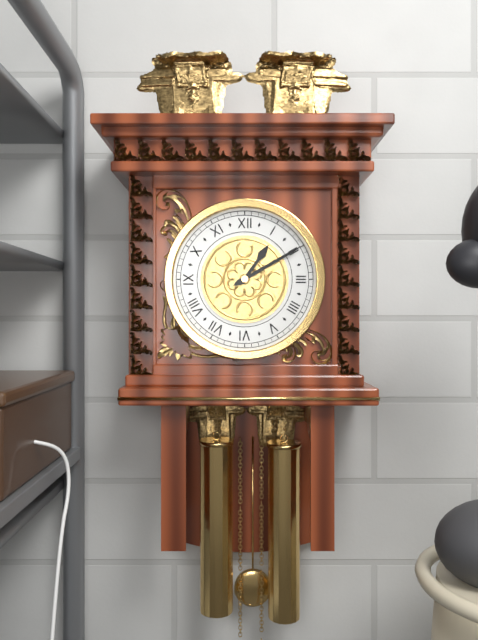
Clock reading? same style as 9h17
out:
1h10
